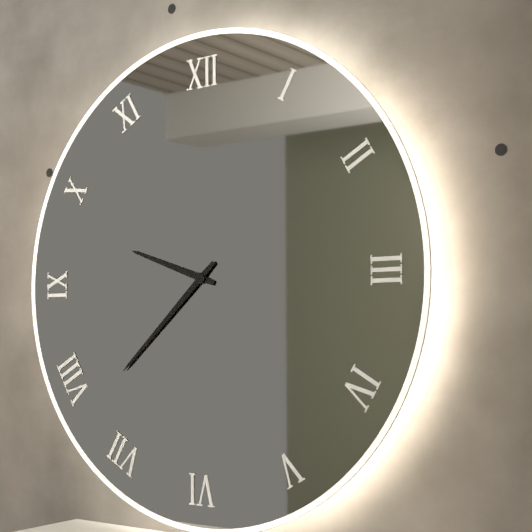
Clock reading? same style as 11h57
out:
9h38
